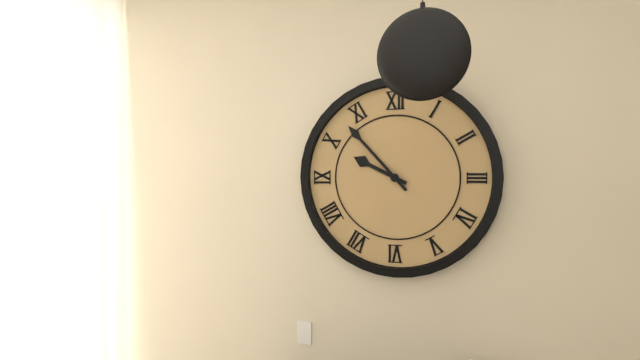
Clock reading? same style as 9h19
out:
9h53
